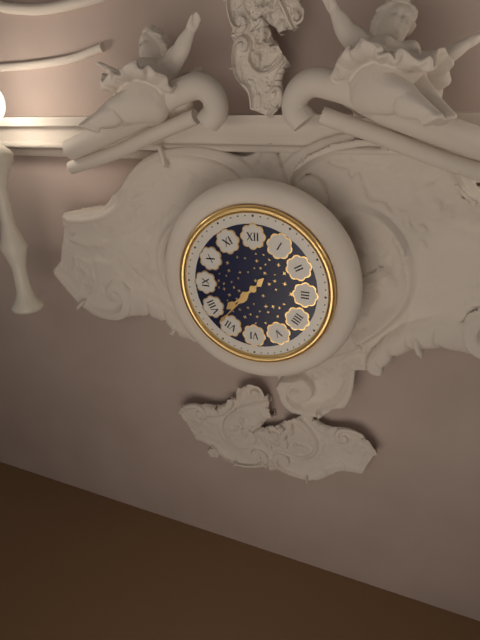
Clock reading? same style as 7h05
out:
7h37
